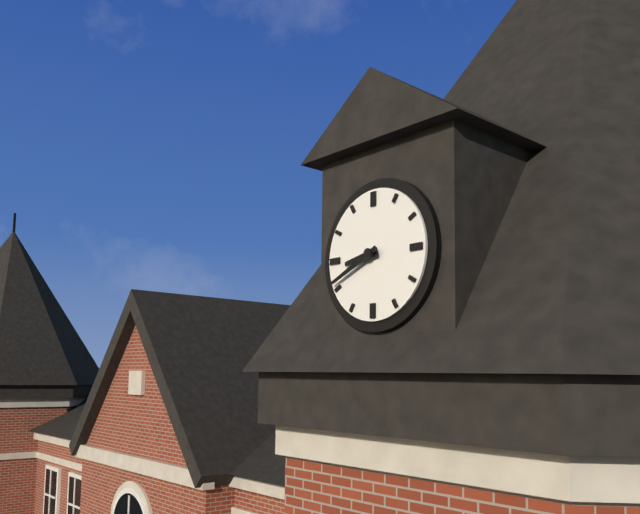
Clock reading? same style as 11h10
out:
8h41
